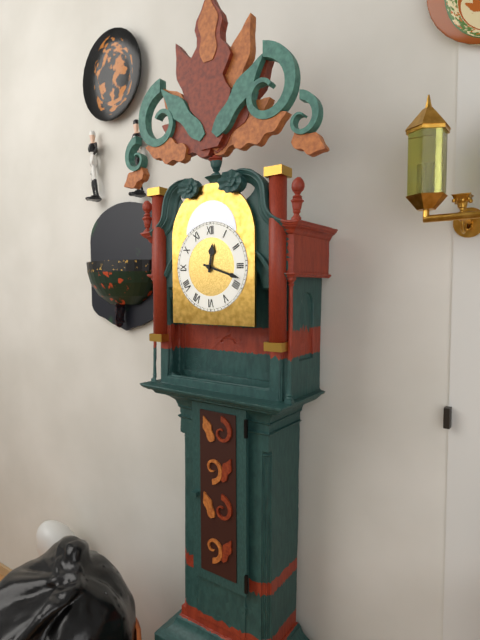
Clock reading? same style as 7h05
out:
12h18
